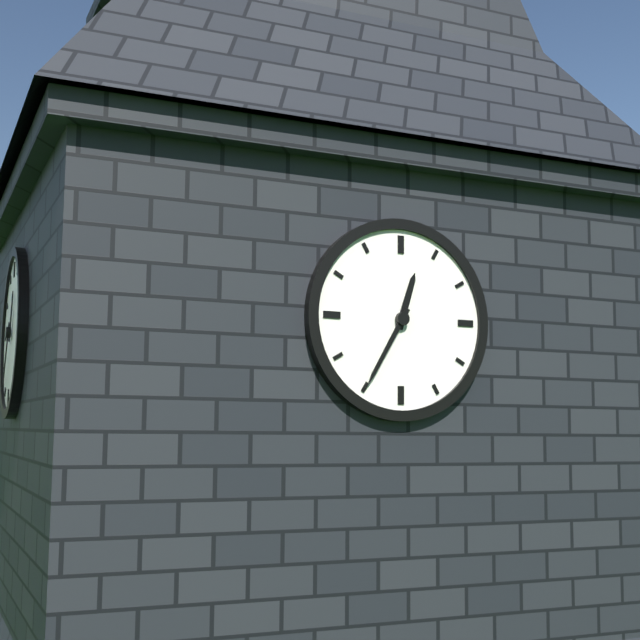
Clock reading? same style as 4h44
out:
12h35
